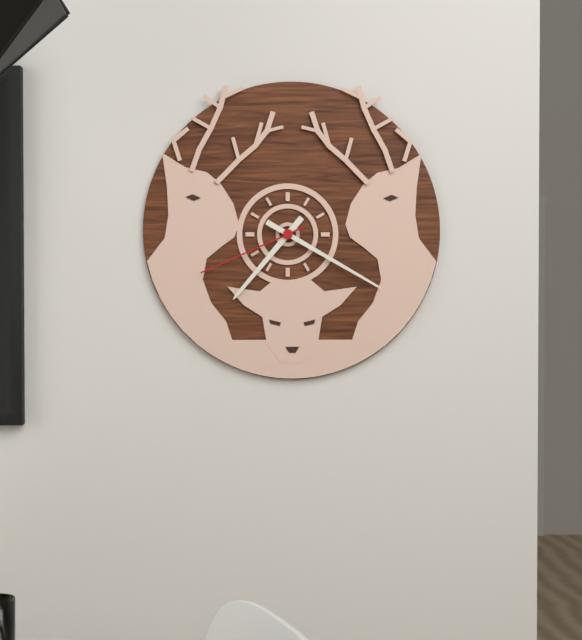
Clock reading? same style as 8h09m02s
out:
7h20m41s
